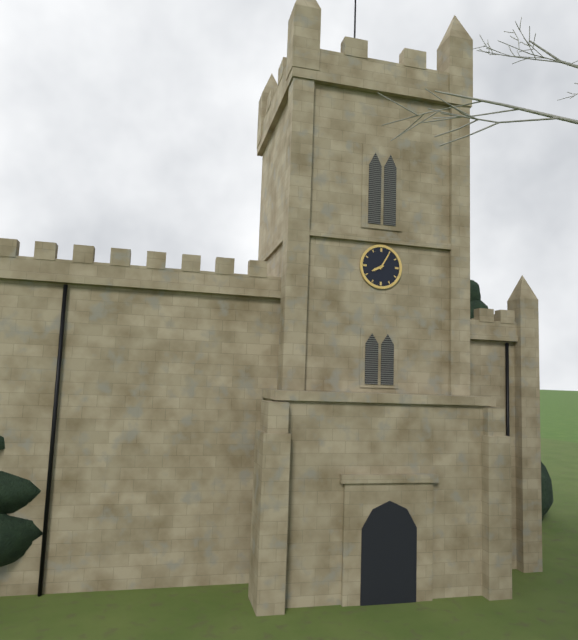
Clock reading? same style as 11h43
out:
8h05
